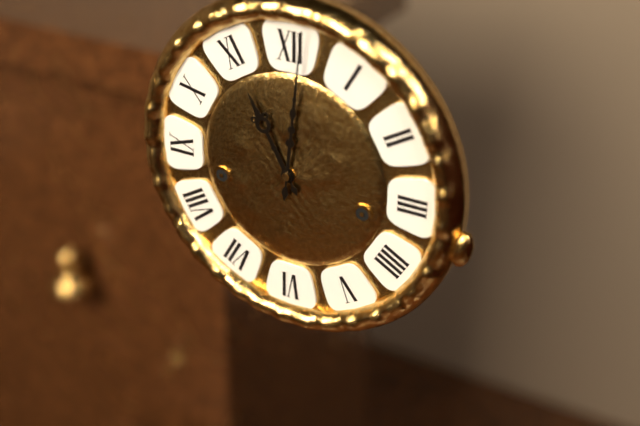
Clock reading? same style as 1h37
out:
11h01
